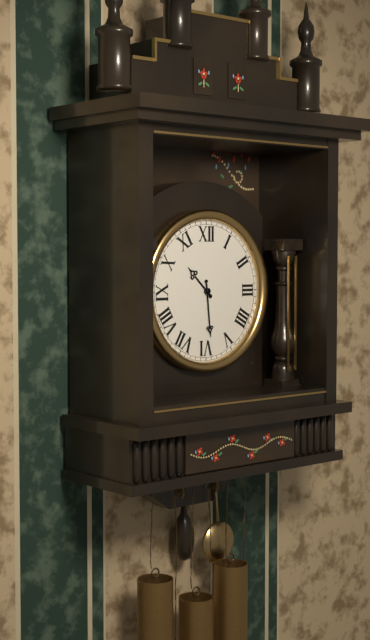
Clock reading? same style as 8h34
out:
10h29
